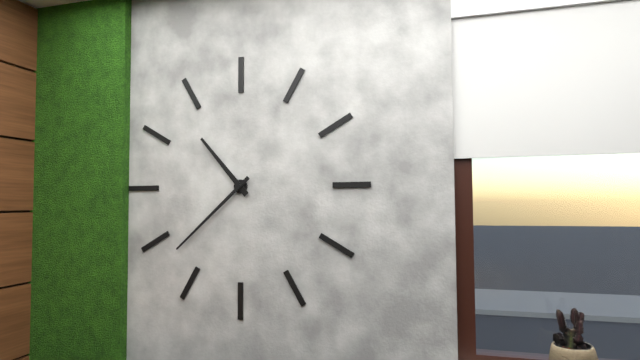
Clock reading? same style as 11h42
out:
10h38
